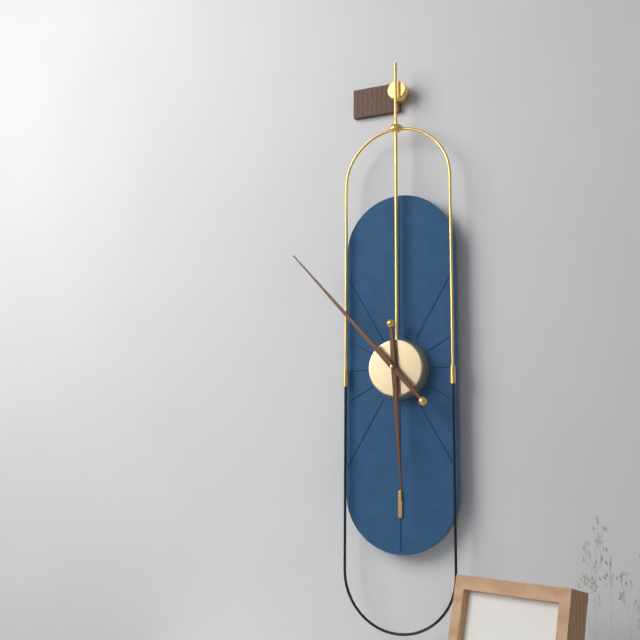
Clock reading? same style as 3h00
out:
5h53
